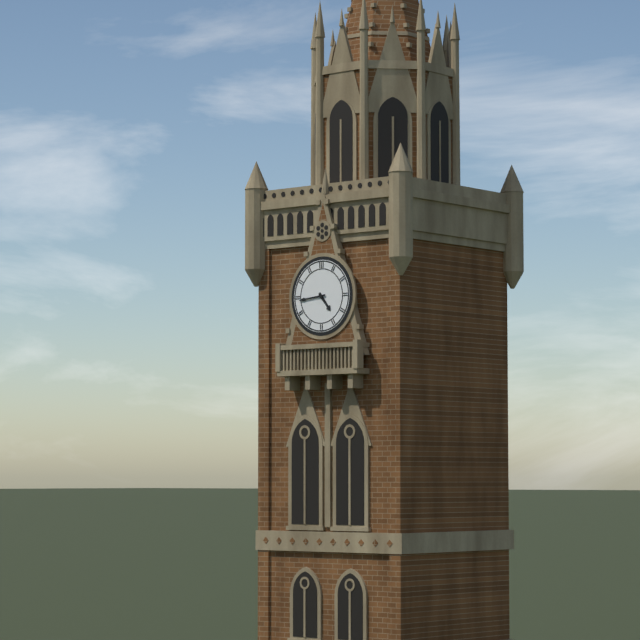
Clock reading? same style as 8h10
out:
4h44
